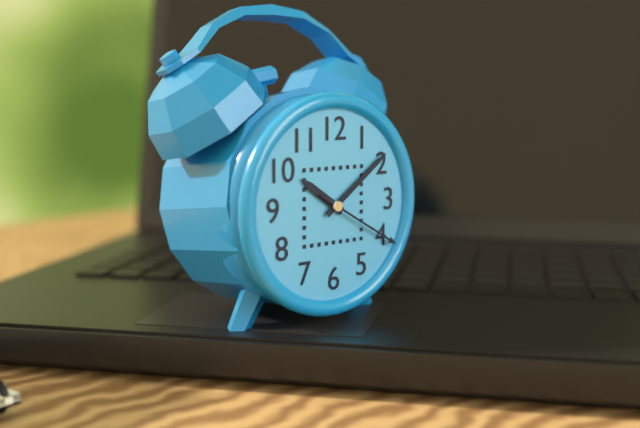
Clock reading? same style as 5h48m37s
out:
10h09m20s
